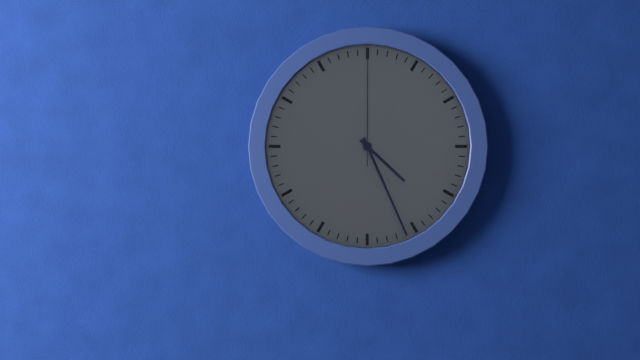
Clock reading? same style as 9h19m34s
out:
4h26m00s
